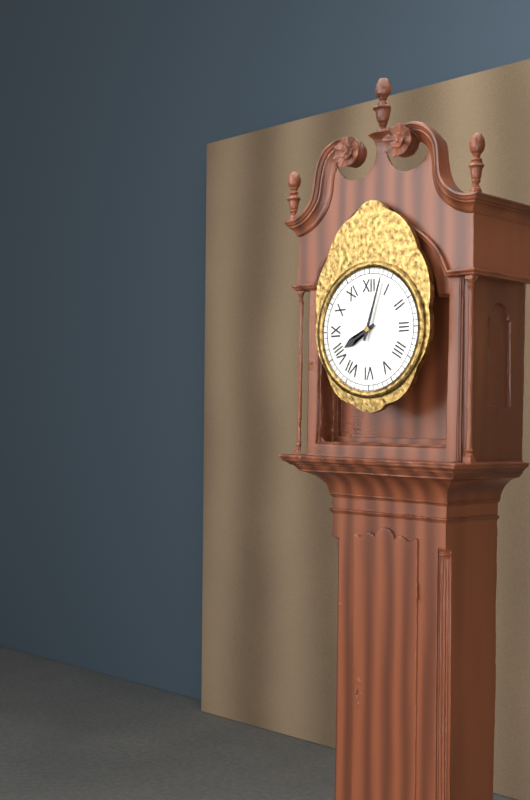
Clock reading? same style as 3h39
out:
8h03
